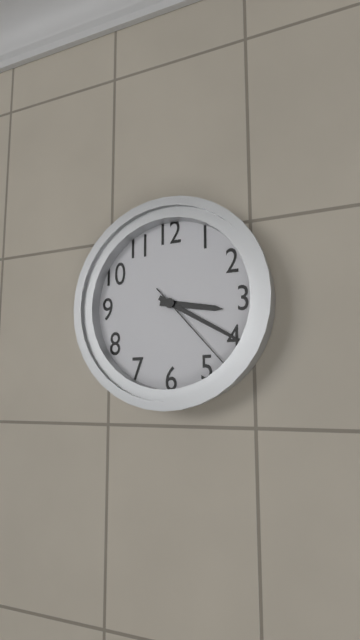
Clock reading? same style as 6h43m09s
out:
3h20m23s
